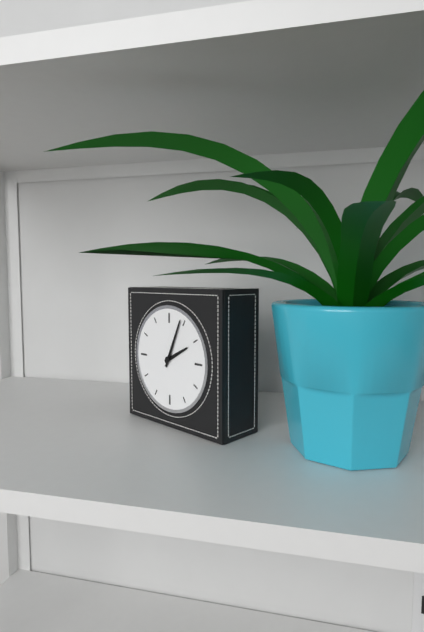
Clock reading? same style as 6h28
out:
2h04
